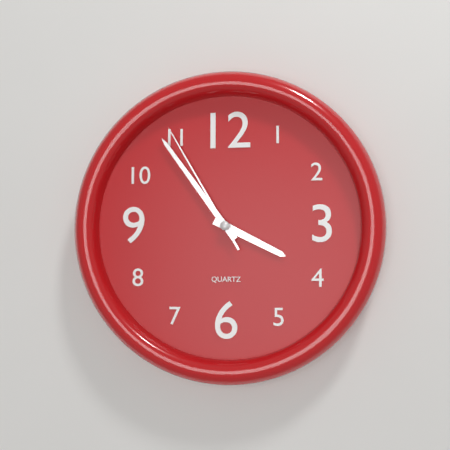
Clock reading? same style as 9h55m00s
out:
3h54m55s
